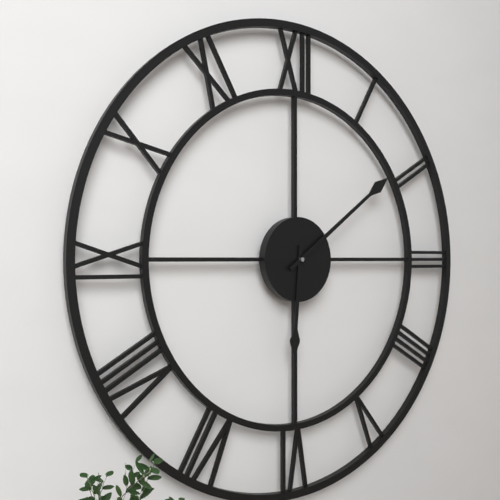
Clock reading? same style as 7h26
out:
6h09
